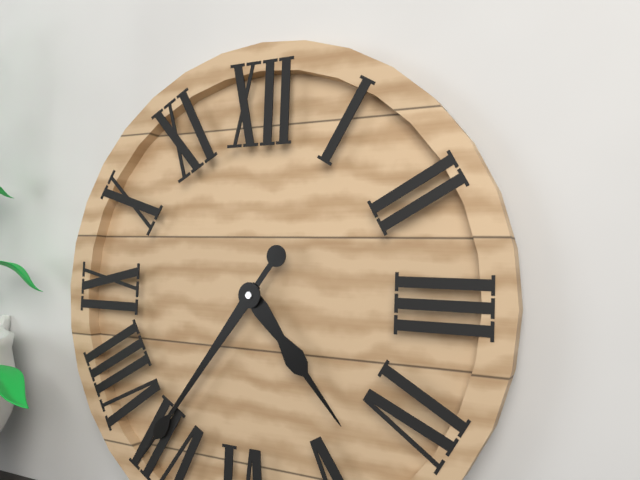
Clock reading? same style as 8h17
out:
4h36
